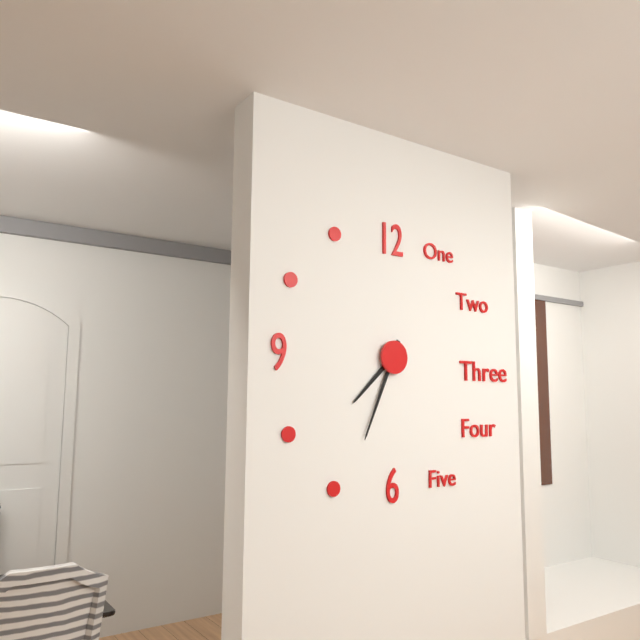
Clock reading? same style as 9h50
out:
7h34
